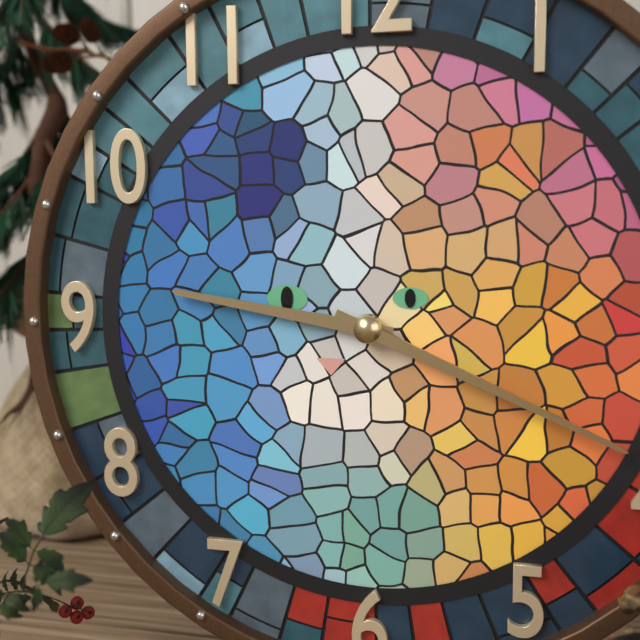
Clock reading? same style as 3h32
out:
9h19
